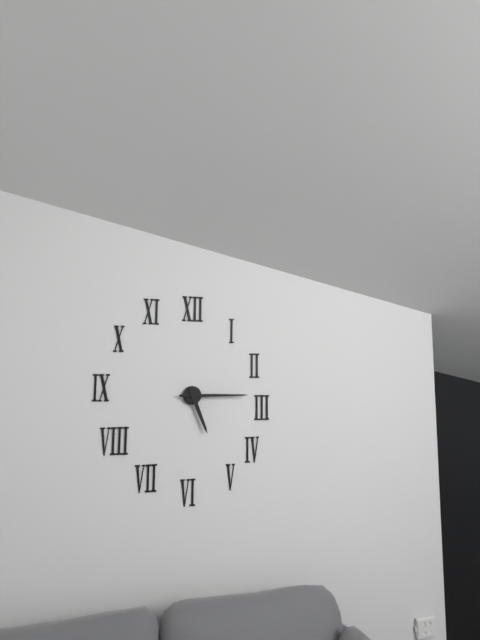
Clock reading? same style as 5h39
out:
5h15
